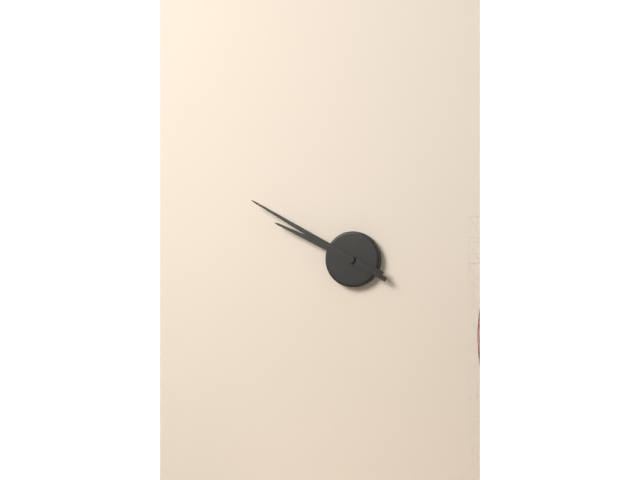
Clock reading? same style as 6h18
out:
9h50
